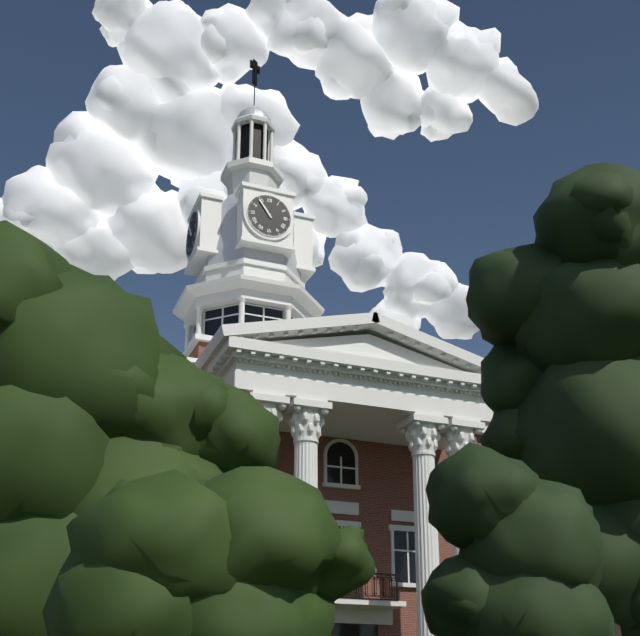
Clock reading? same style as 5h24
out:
10h54
